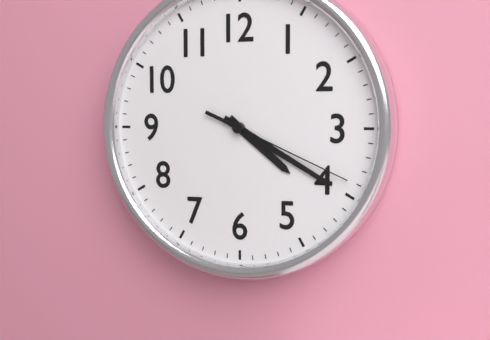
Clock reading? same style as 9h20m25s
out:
4h20m19s
